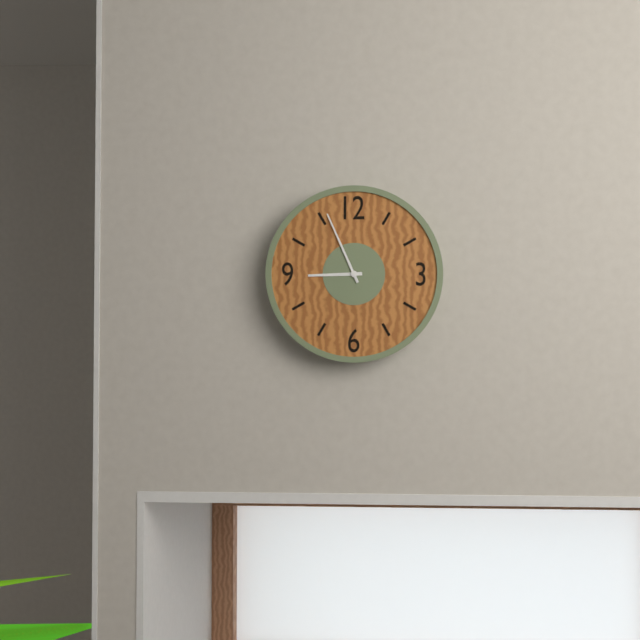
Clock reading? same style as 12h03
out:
8h56
